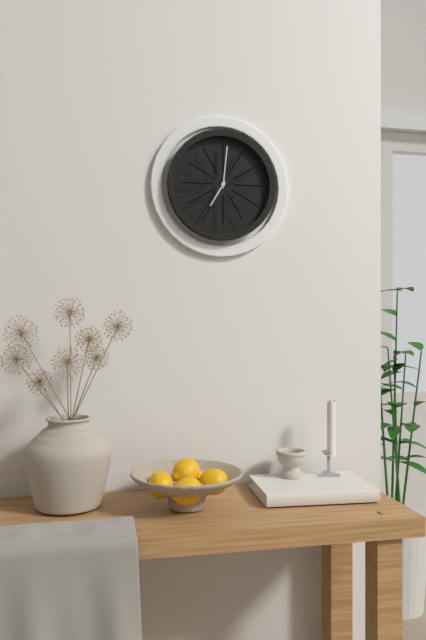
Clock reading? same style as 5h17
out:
7h01
